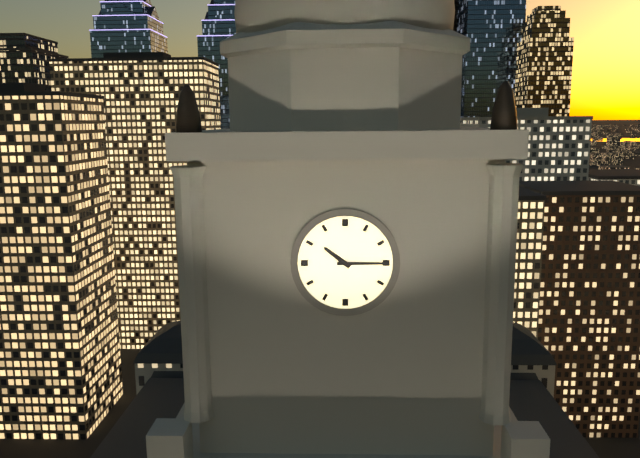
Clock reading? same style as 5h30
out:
10h15
